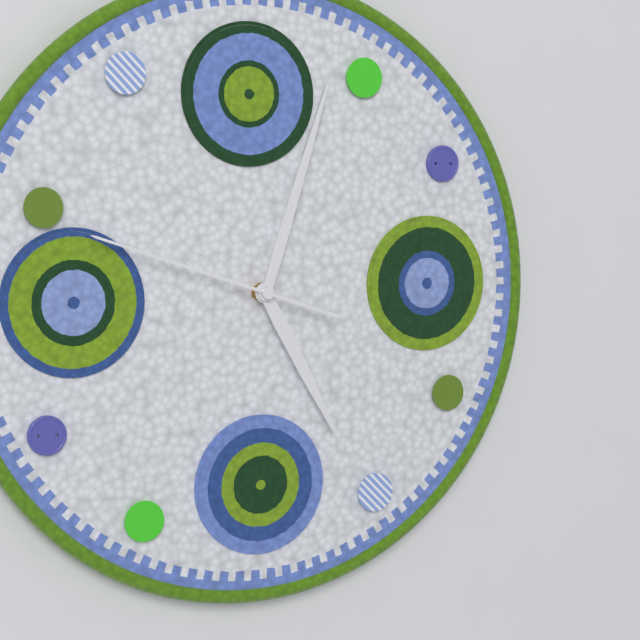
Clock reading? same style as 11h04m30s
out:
5h03m48s
